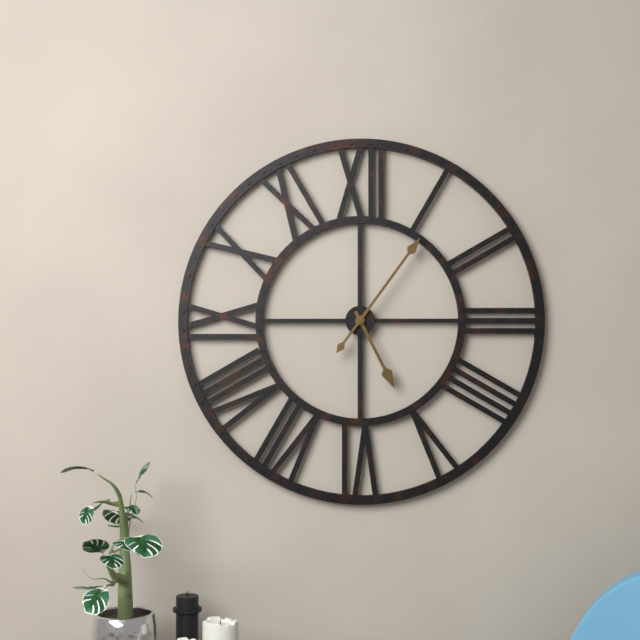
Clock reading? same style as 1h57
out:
5h06
